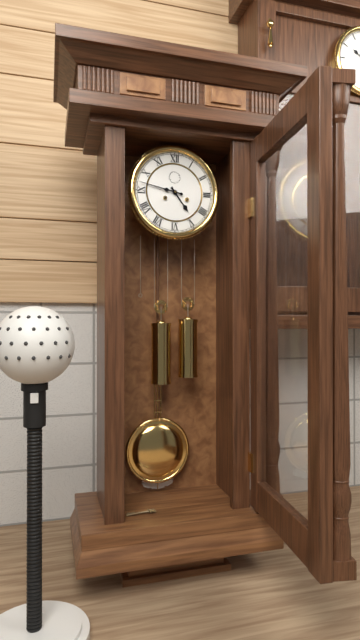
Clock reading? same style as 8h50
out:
4h47
